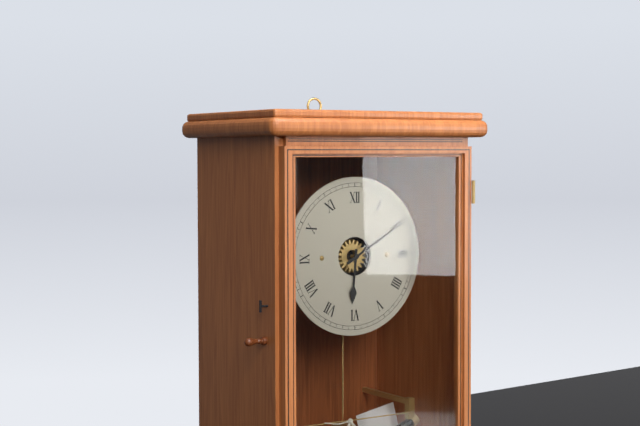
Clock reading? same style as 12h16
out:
6h10
